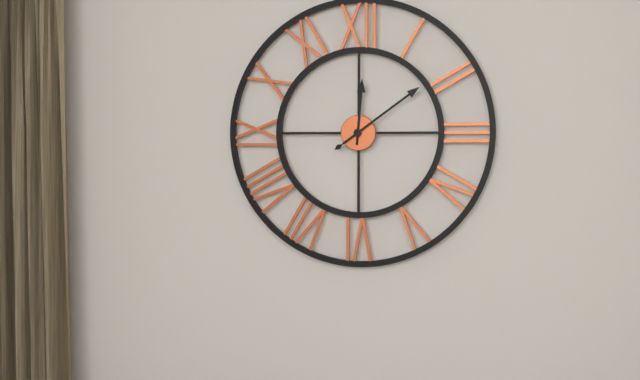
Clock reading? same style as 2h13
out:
12h09
